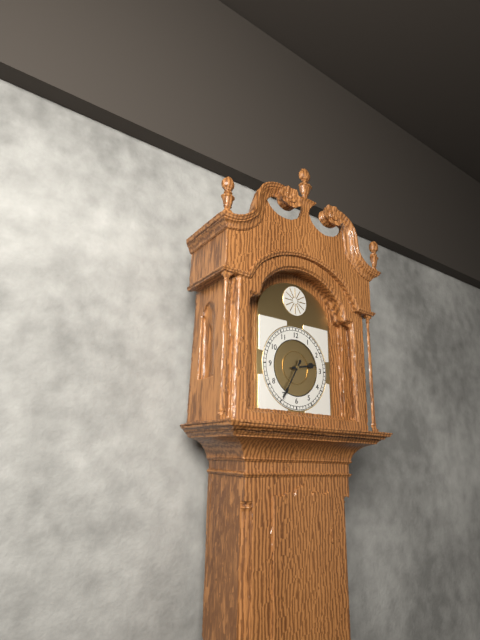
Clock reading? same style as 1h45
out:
2h35
